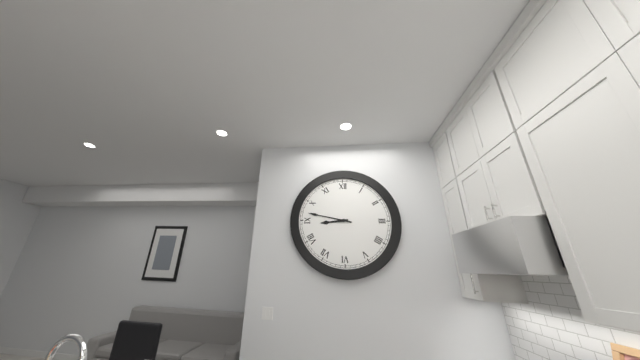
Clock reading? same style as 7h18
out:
8h47
